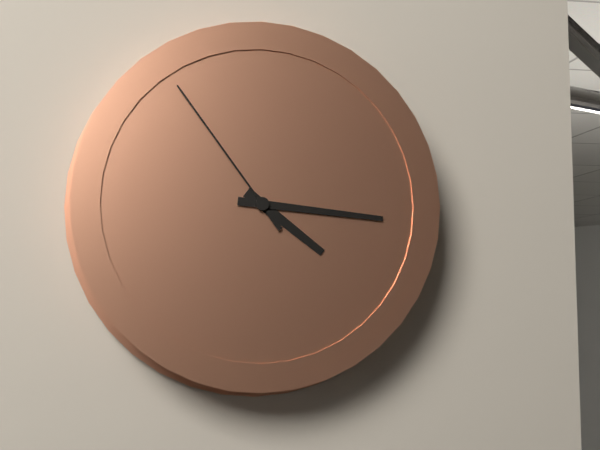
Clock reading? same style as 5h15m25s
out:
4h16m54s
